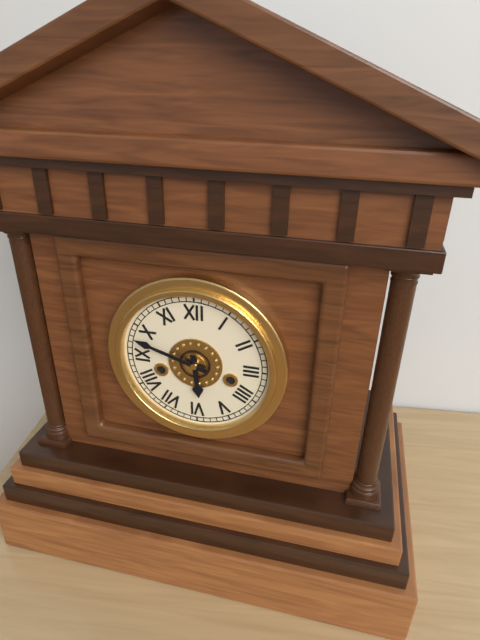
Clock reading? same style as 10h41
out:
5h48
